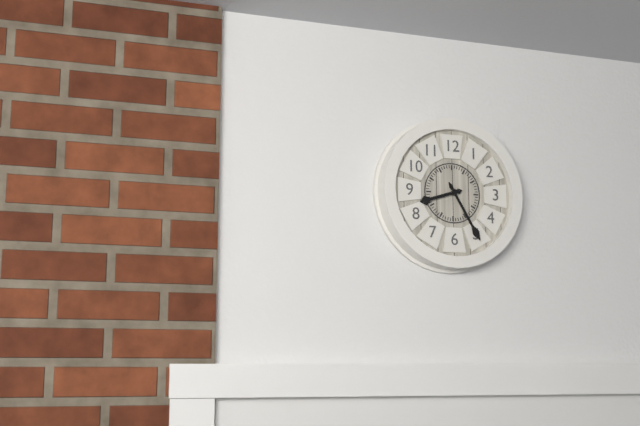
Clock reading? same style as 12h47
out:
8h25
